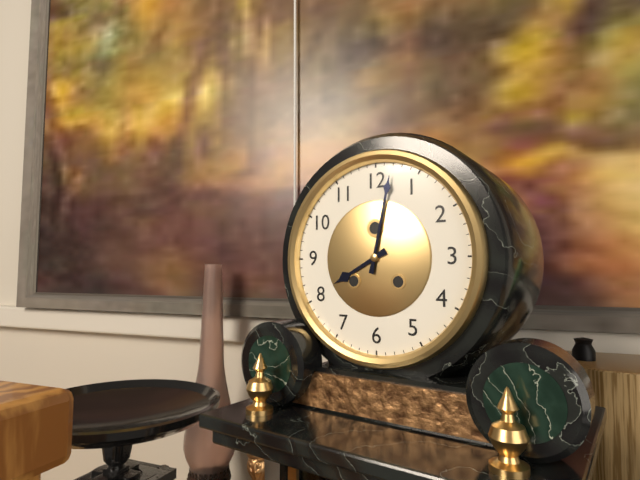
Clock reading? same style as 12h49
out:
8h02
